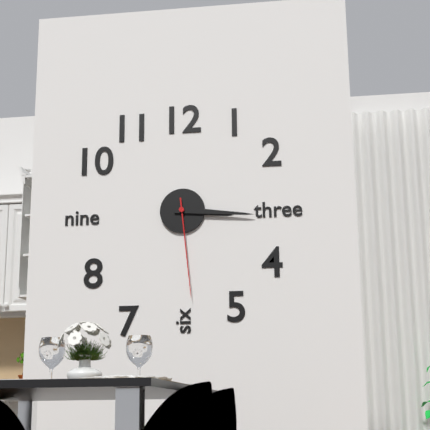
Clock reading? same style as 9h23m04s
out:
3h16m29s
